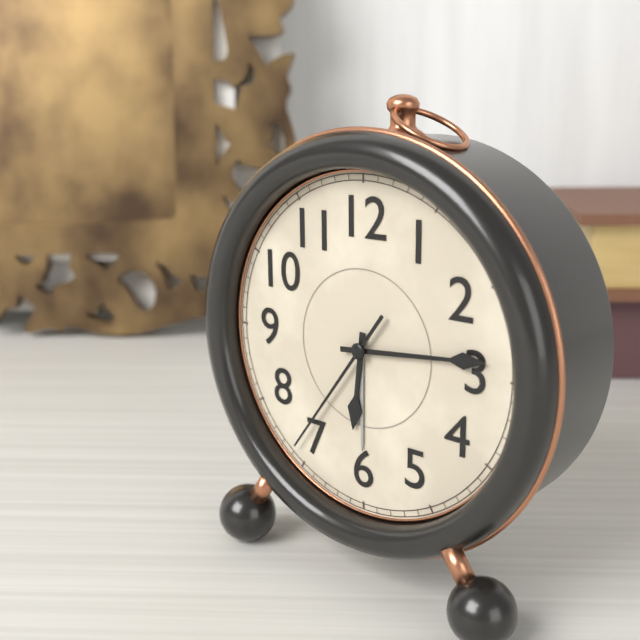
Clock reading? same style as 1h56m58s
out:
6h14m36s
